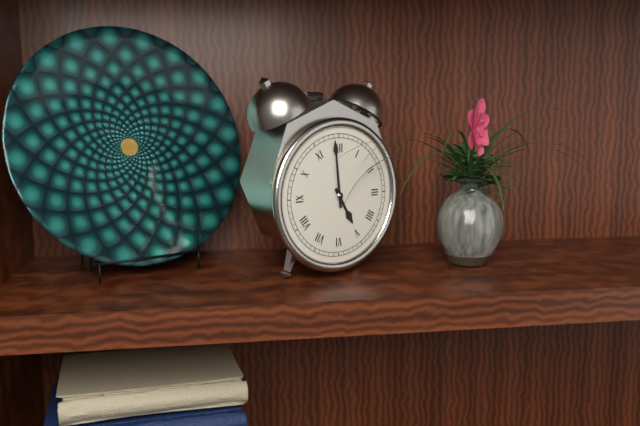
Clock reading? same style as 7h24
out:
4h59
